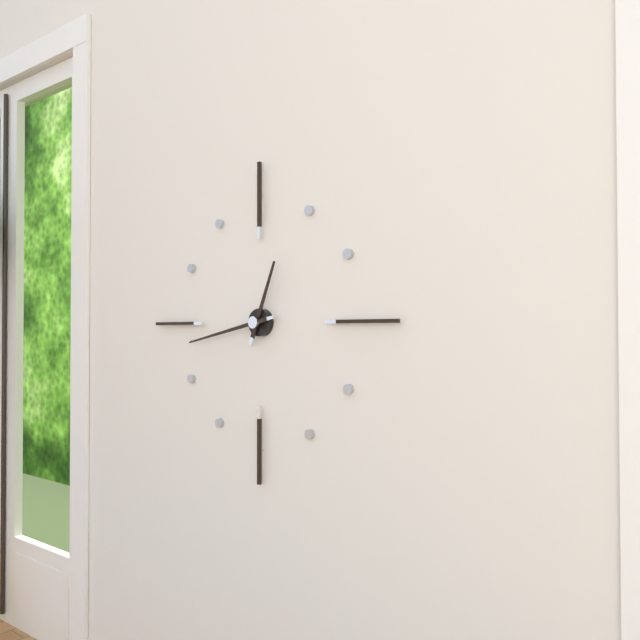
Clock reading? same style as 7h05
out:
12h43
